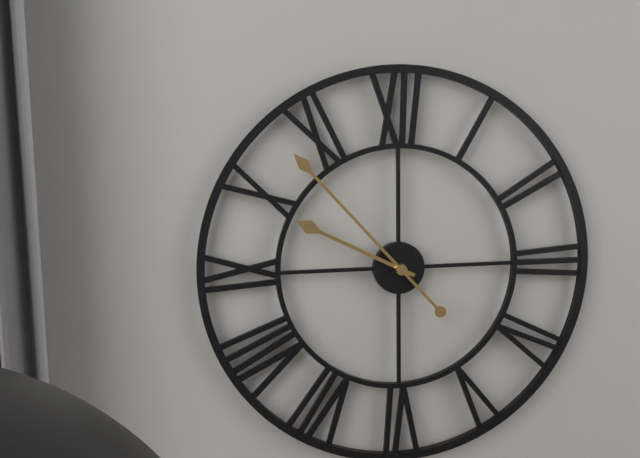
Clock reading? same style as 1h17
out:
9h53
